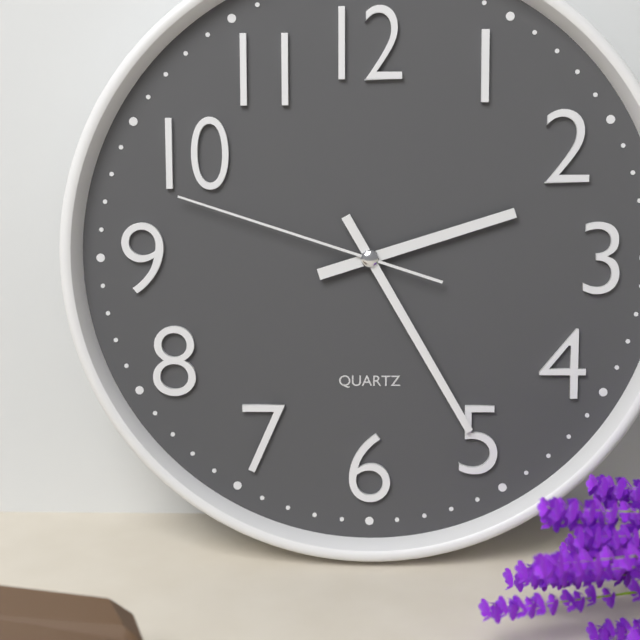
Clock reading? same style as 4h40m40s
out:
2h25m48s
